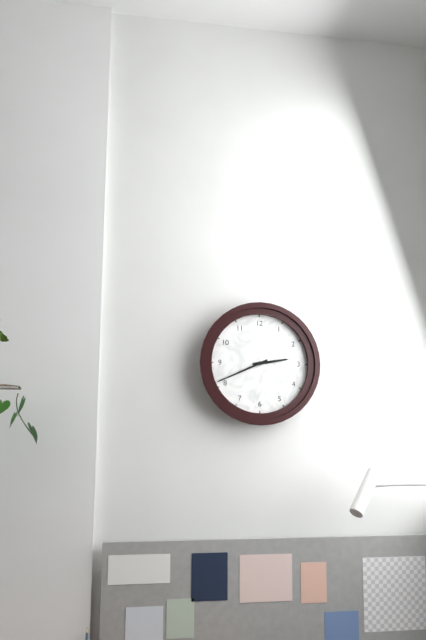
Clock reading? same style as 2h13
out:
2h41
